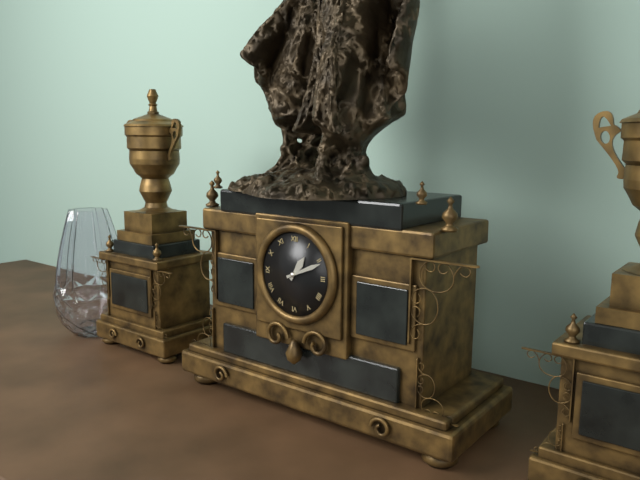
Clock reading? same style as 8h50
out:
1h11
